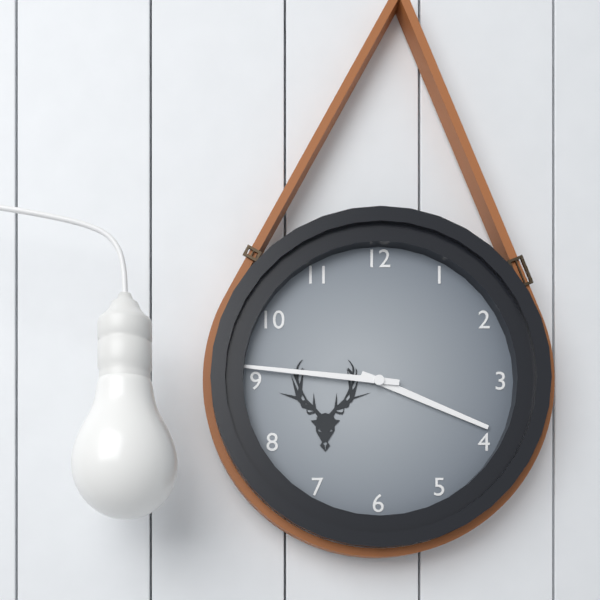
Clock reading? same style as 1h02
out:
3h46
